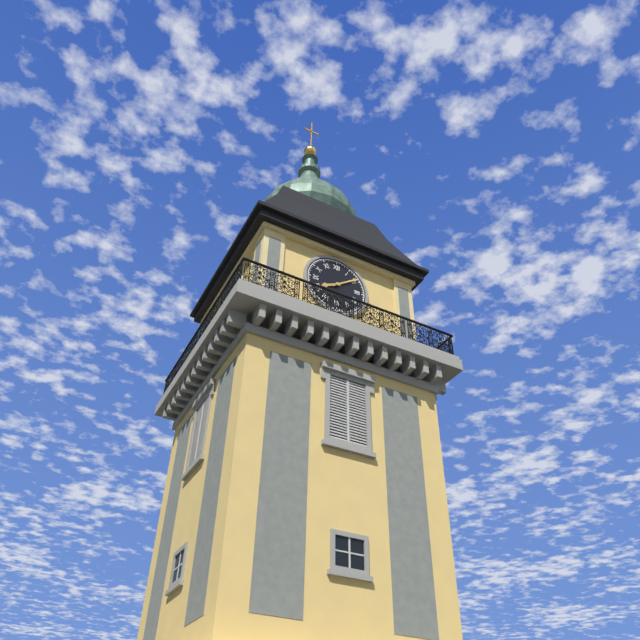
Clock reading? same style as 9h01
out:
8h09
